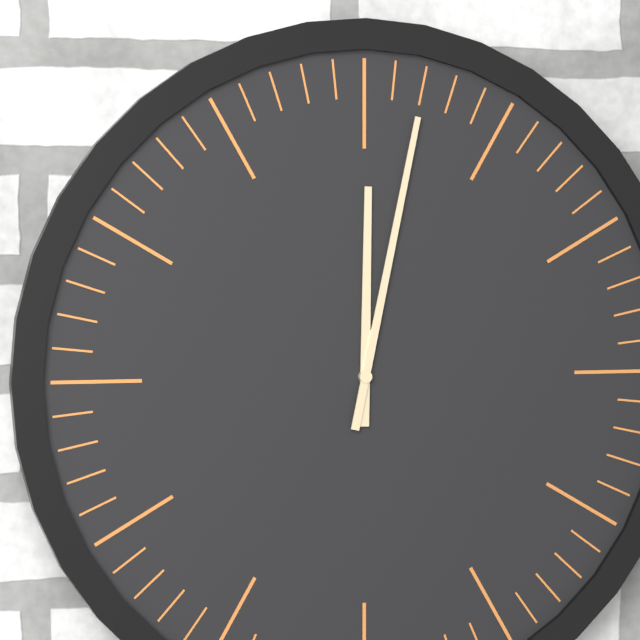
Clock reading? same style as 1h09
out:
12h02
